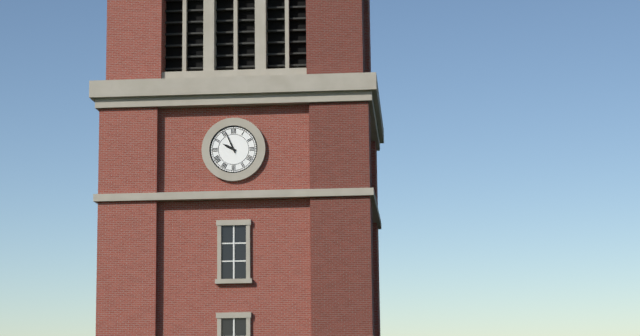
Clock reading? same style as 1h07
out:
9h56
